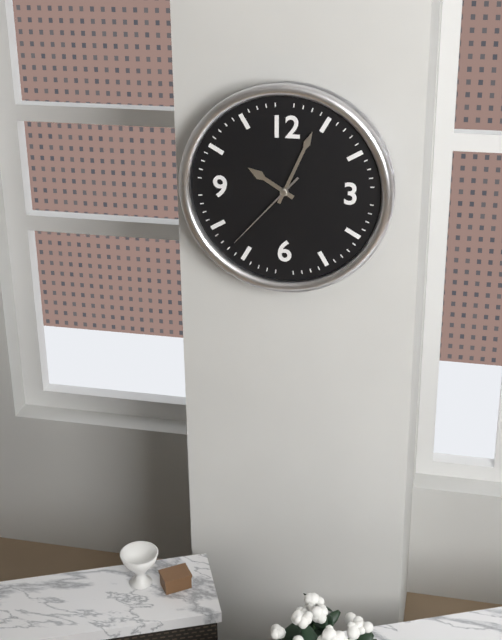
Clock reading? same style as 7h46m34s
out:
10h04m37s
